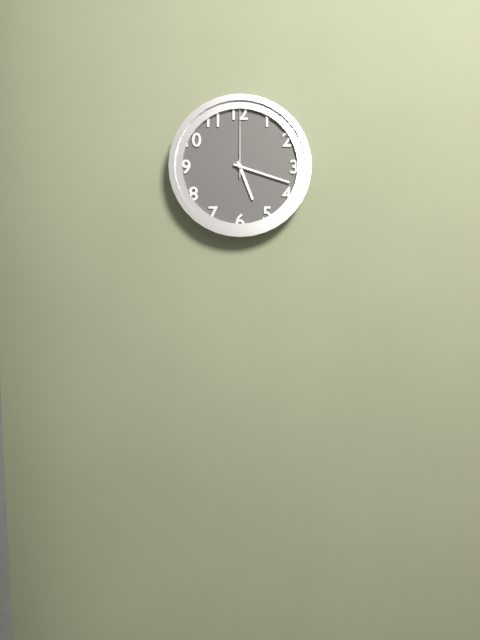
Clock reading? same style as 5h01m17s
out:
5h18m00s
